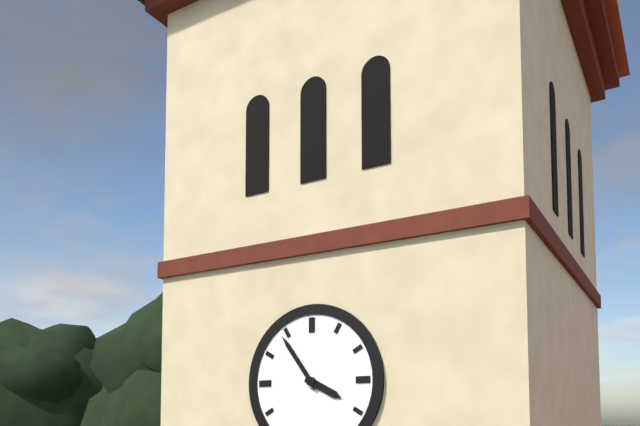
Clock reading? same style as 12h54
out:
3h54
